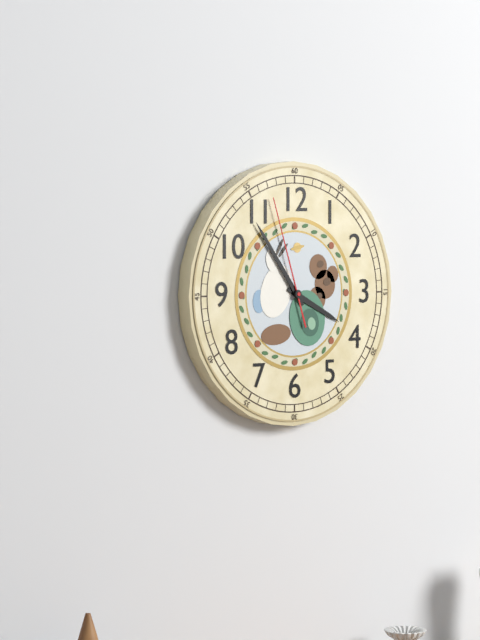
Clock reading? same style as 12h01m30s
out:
3h54m57s
